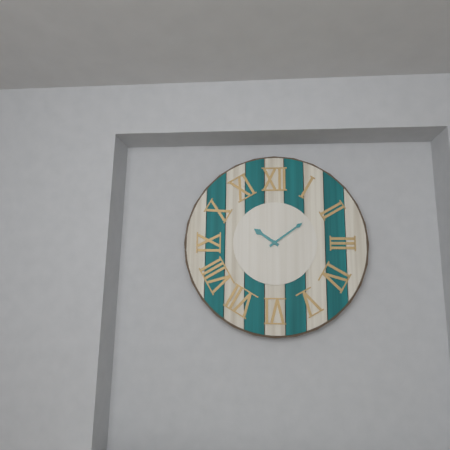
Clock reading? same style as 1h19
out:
10h09
